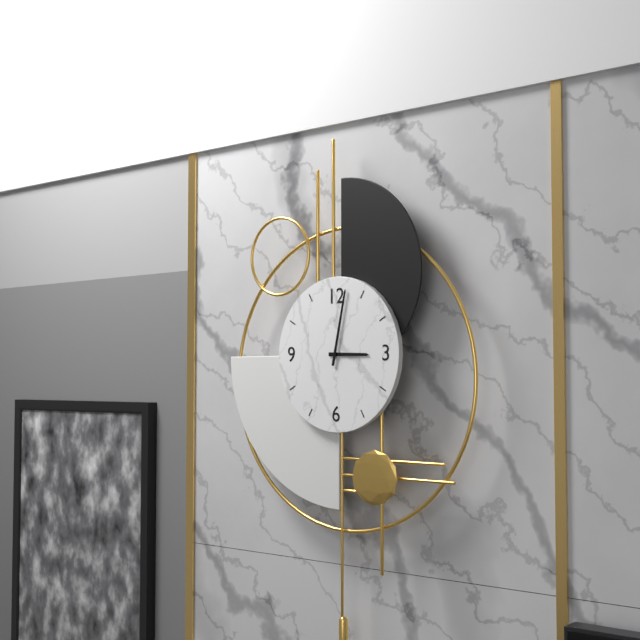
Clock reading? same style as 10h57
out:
3h02
